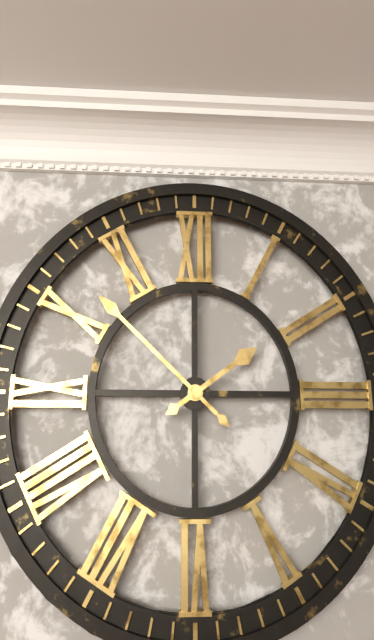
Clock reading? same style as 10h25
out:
1h52
